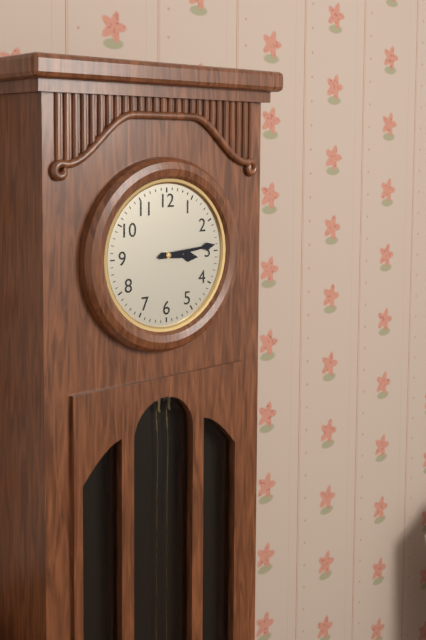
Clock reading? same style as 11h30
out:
3h14
